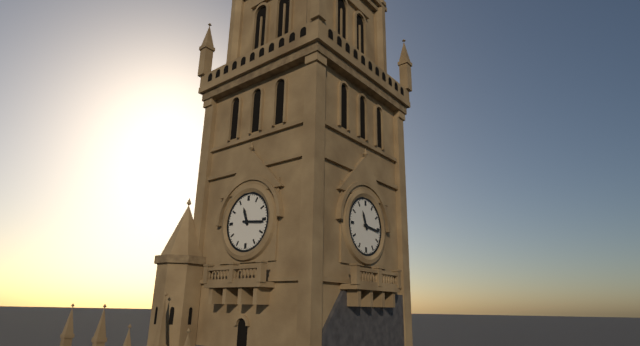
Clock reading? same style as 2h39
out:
11h16
